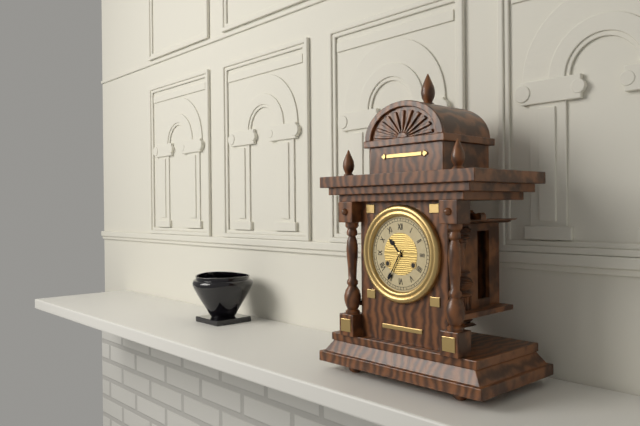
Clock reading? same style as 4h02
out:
10h35
